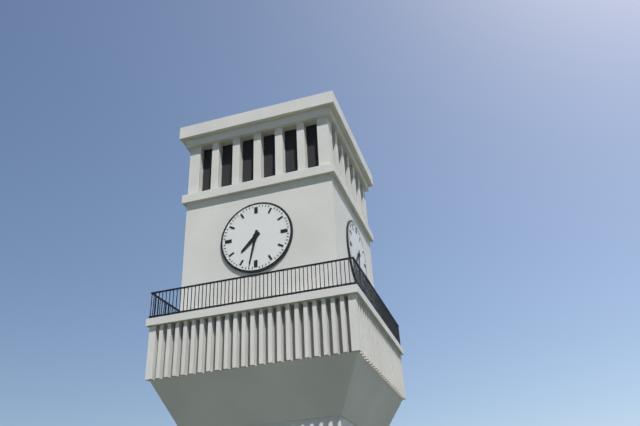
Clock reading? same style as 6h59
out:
7h32
